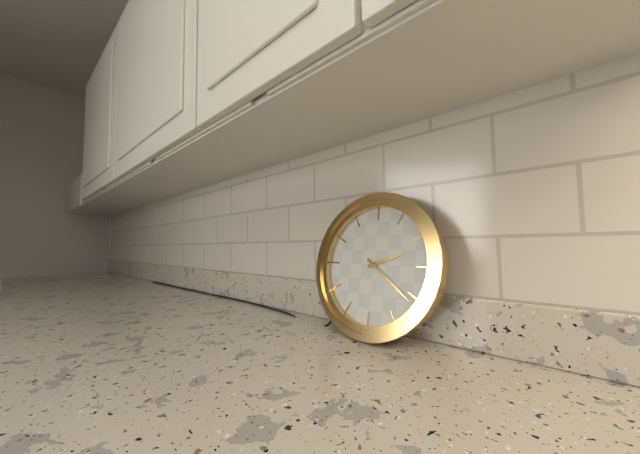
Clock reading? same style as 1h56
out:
2h21
